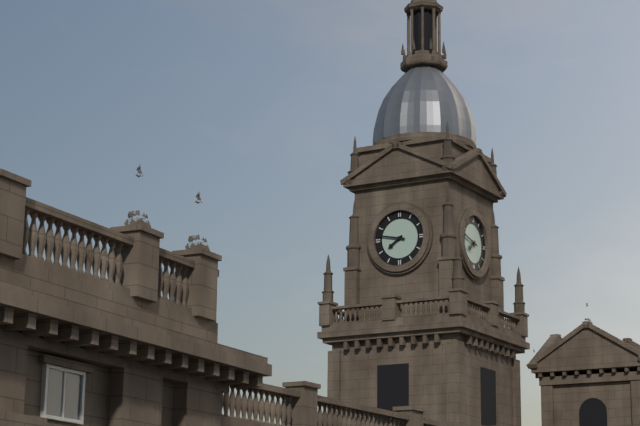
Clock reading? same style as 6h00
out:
7h47
